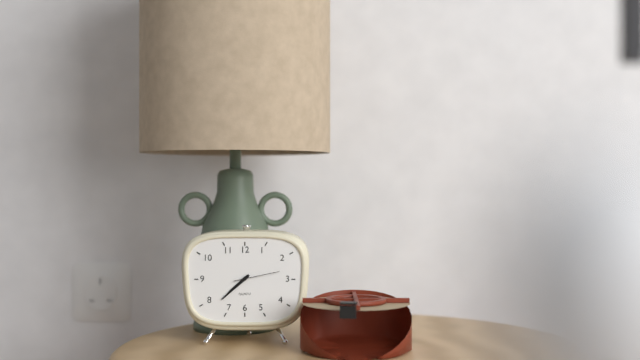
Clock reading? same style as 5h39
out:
7h38
